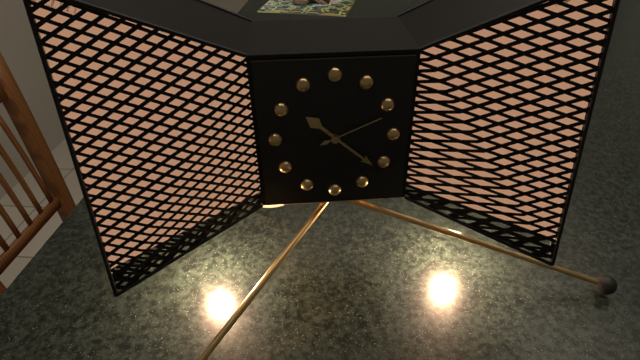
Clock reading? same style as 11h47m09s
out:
10h22m11s
